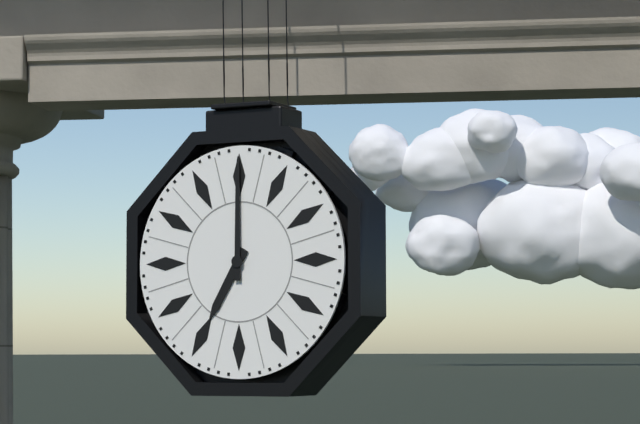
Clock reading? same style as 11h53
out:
7h00
